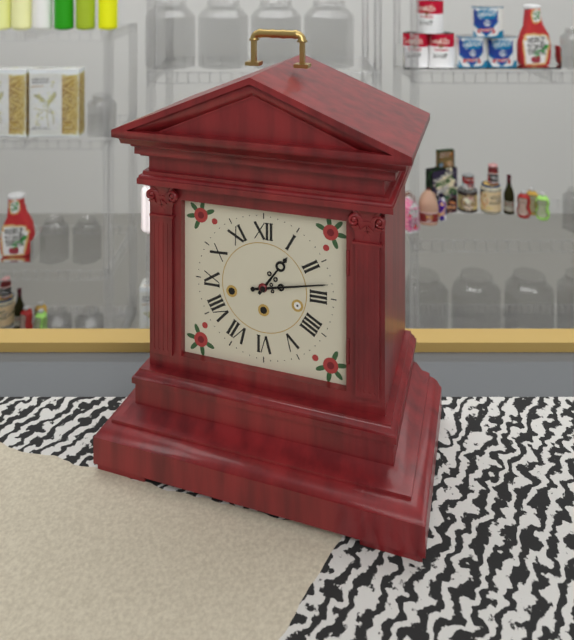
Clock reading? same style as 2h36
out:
1h13
